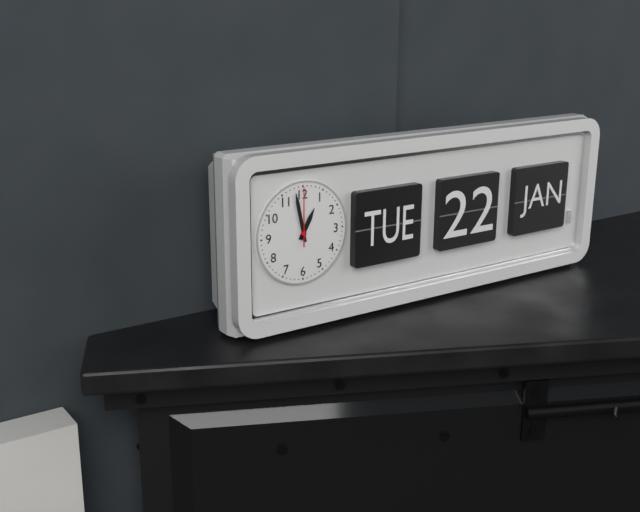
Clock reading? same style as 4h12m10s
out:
12h58m00s
